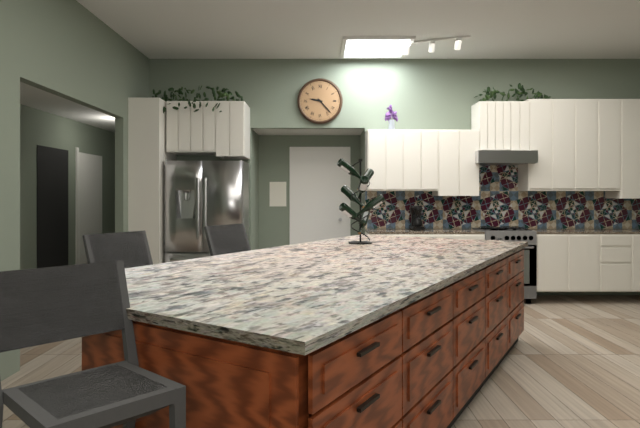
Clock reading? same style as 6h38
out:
9h23
